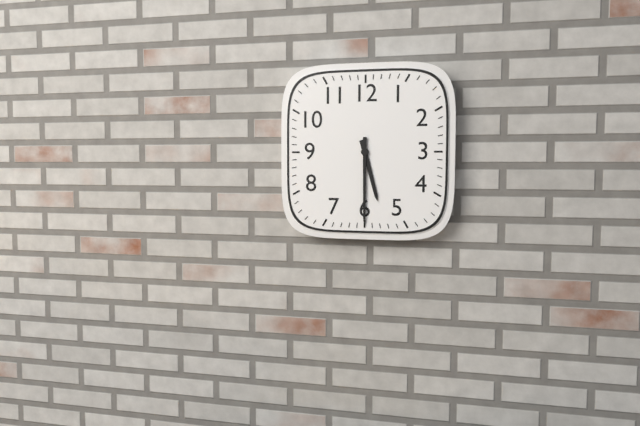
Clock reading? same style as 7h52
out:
5h30
